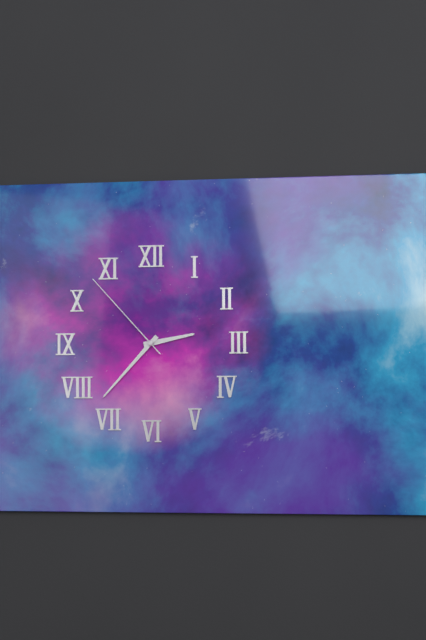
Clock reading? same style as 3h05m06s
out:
2h37m53s
